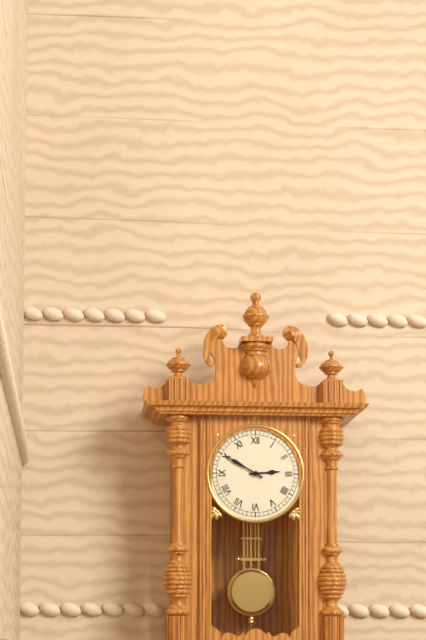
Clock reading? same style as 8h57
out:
2h50
